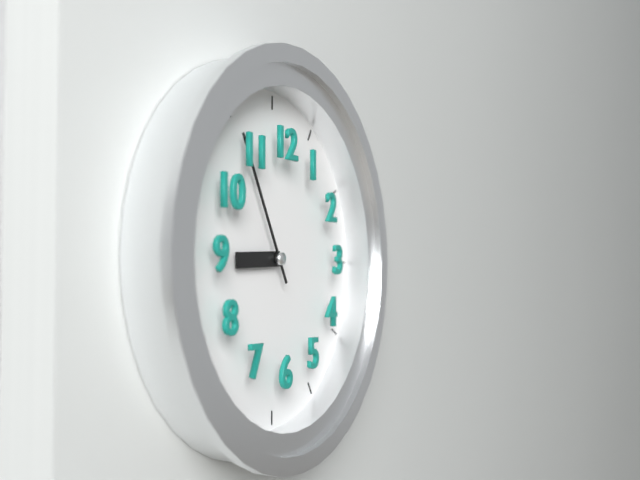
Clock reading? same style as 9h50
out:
8h55
